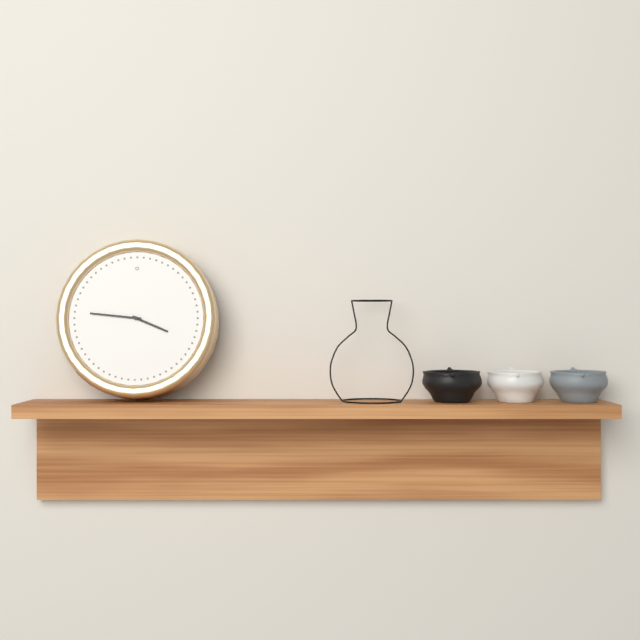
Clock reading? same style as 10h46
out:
3h46
